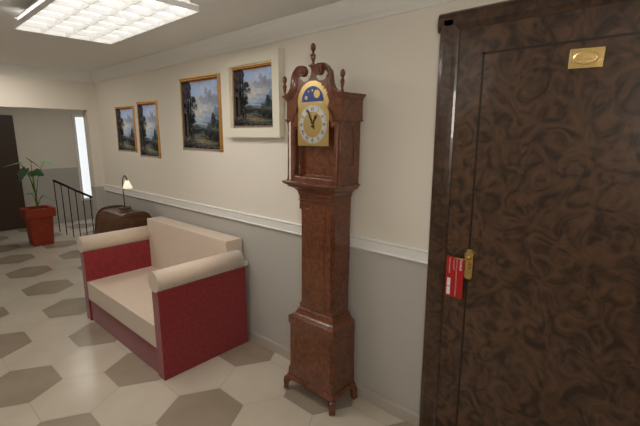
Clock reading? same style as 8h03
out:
12h56
